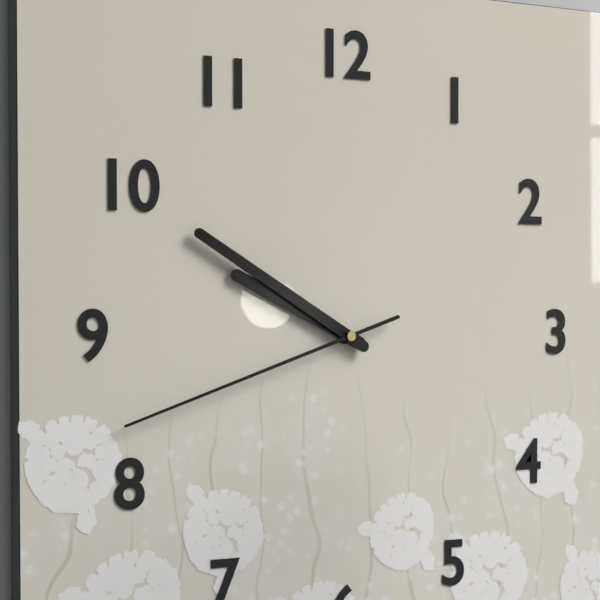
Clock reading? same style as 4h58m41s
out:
9h50m42s
